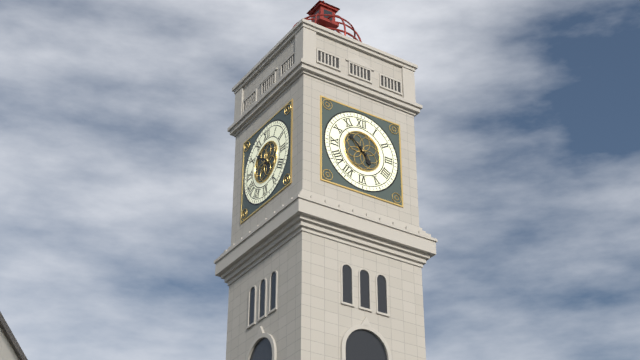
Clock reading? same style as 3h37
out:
4h52
